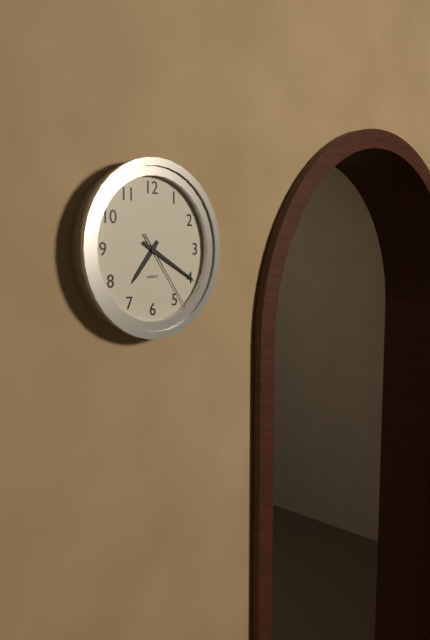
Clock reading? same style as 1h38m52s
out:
7h20m24s
